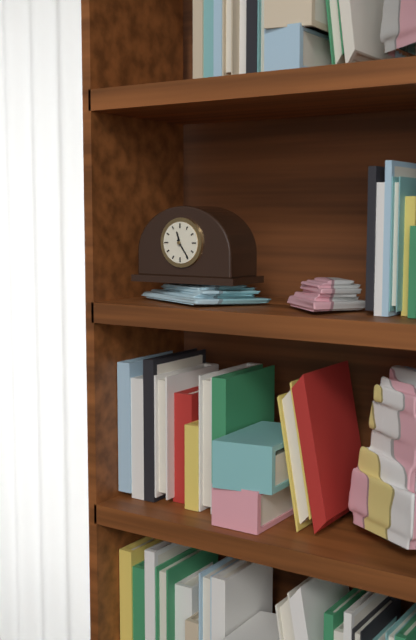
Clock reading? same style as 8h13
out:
11h24
